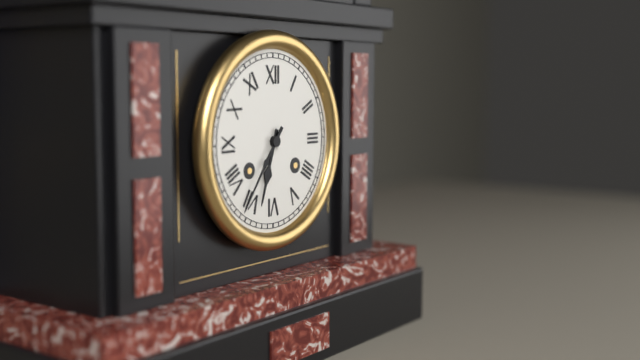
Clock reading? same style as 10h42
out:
6h36
